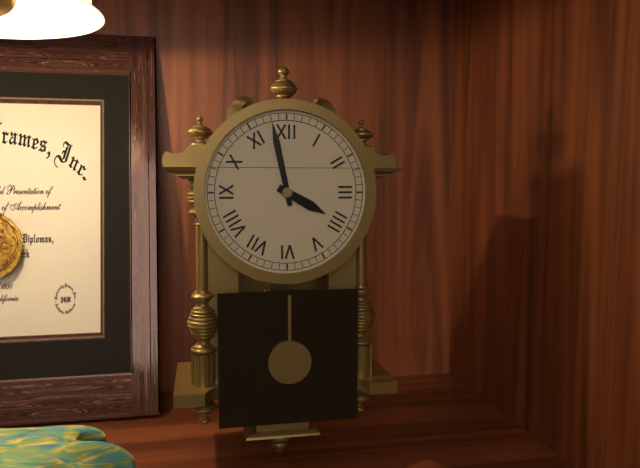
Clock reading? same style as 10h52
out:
3h58
